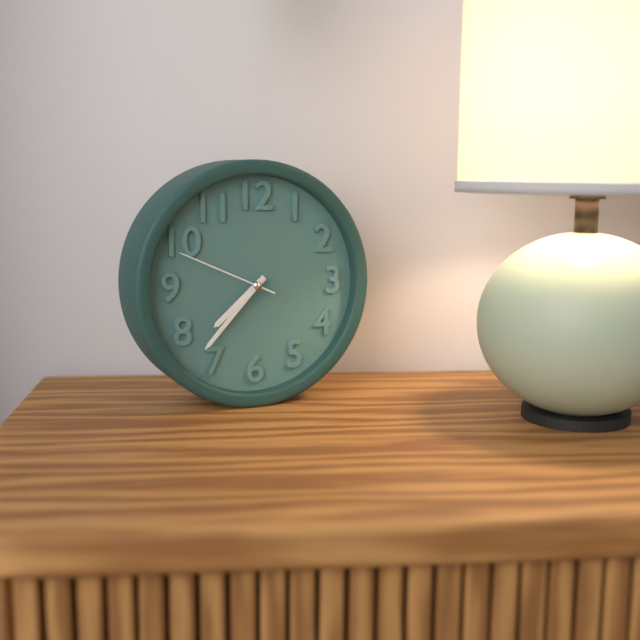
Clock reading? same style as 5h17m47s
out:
7h37m49s
